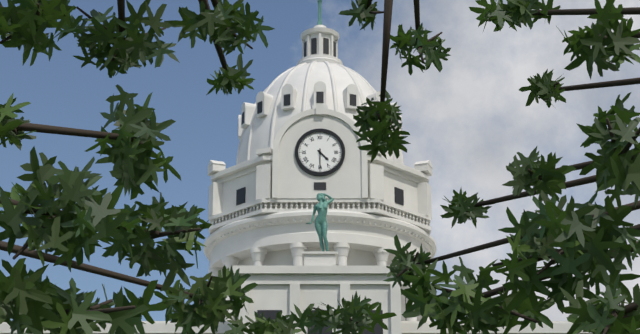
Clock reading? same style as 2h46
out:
4h30
